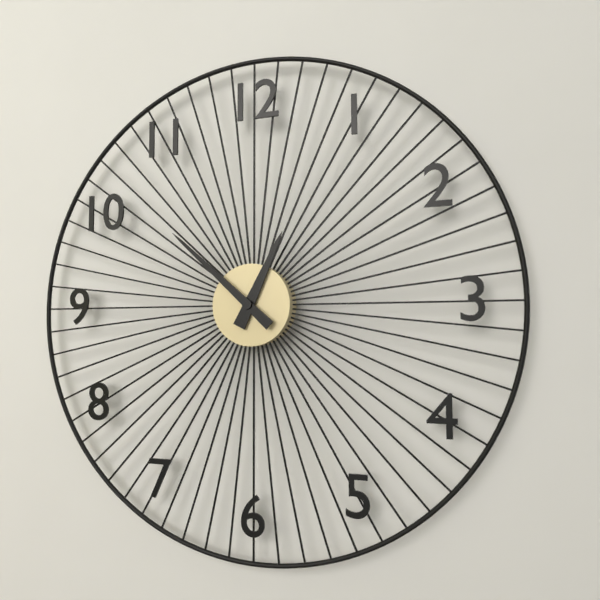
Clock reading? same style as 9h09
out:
12h52
